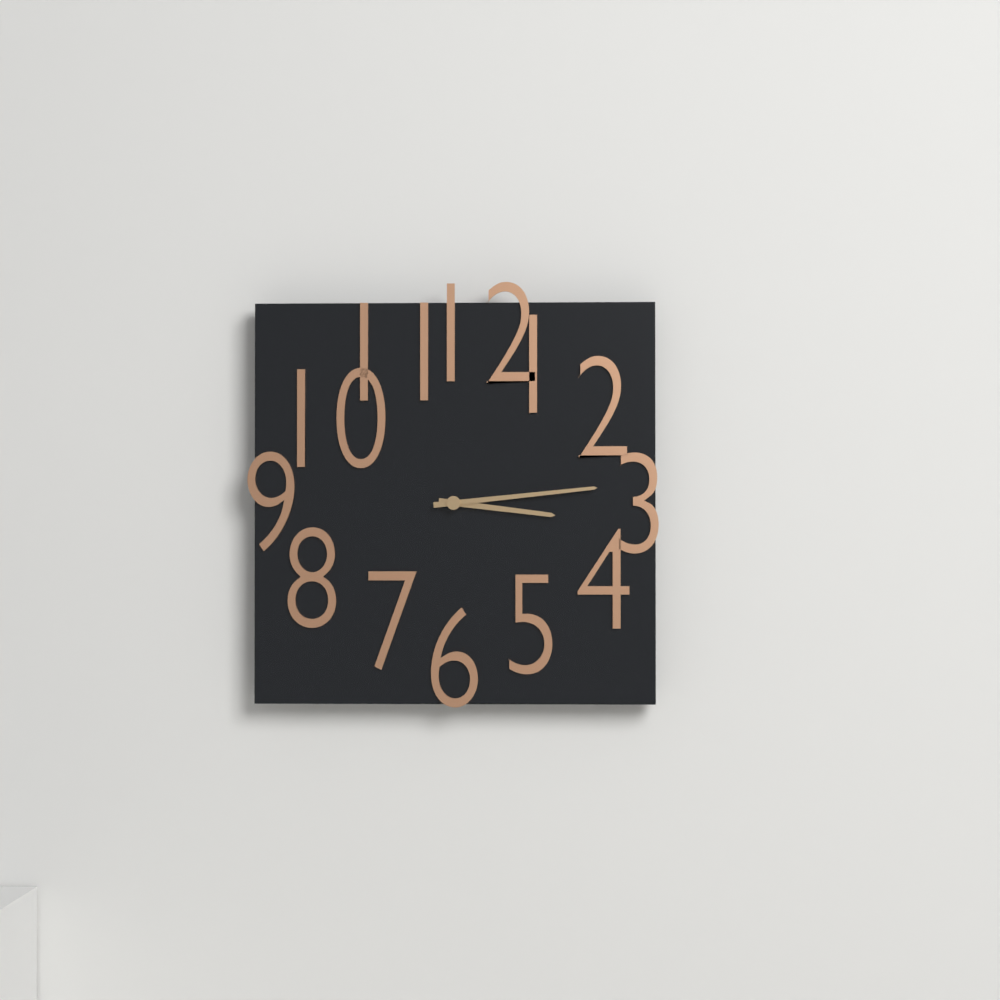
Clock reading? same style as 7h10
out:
3h14
